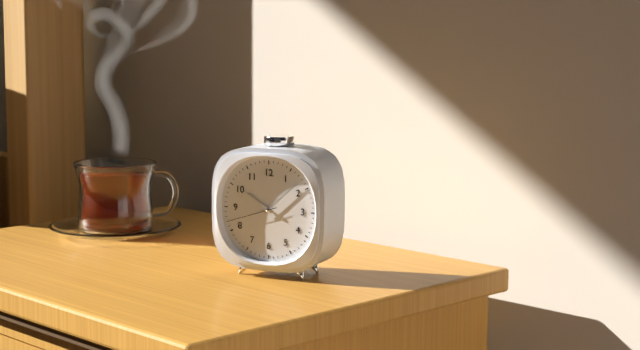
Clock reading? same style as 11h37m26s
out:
10h08m42s
